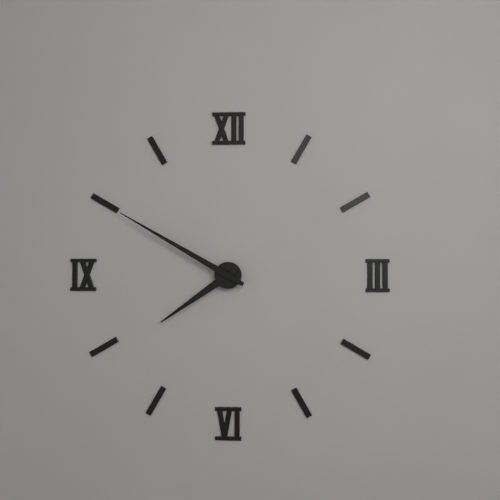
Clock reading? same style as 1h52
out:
7h50
